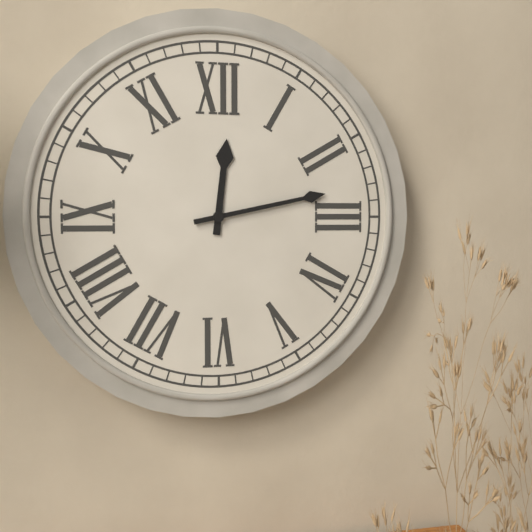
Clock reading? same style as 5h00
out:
12h13
